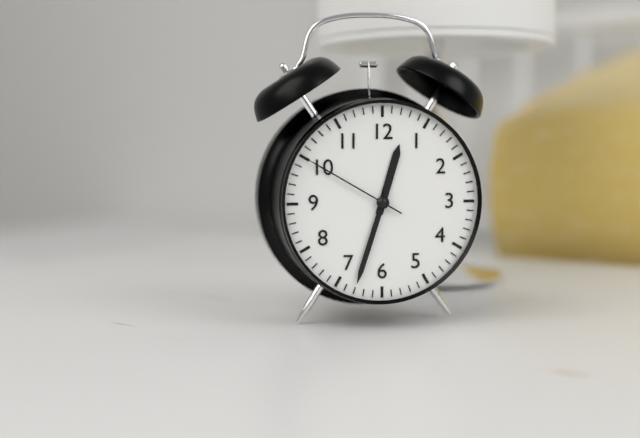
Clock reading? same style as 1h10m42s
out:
12h33m50s
